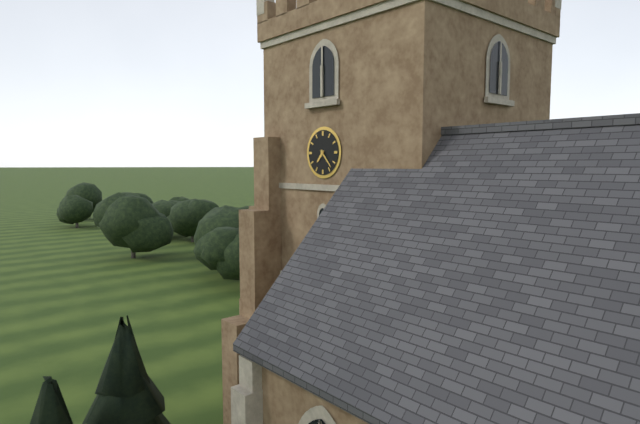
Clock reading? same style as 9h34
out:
7h23
